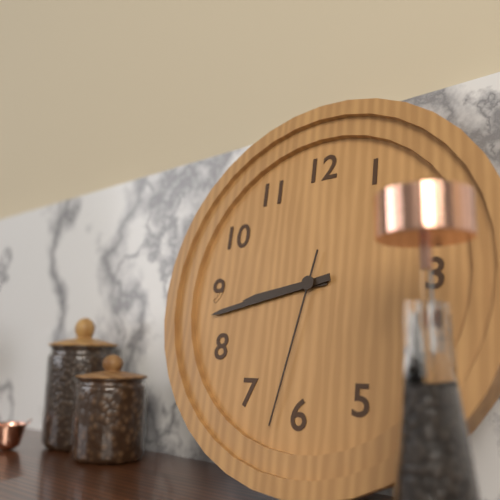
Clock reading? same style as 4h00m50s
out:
8h43m32s
